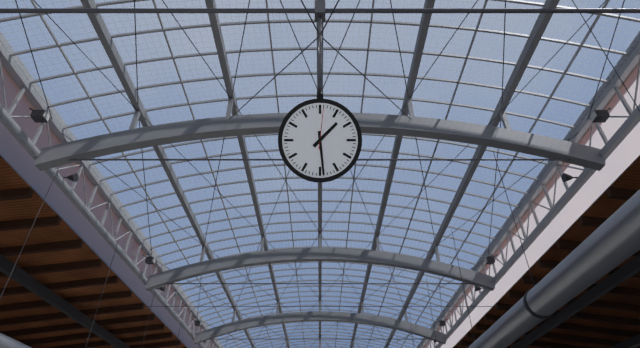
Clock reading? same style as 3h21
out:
1h29
